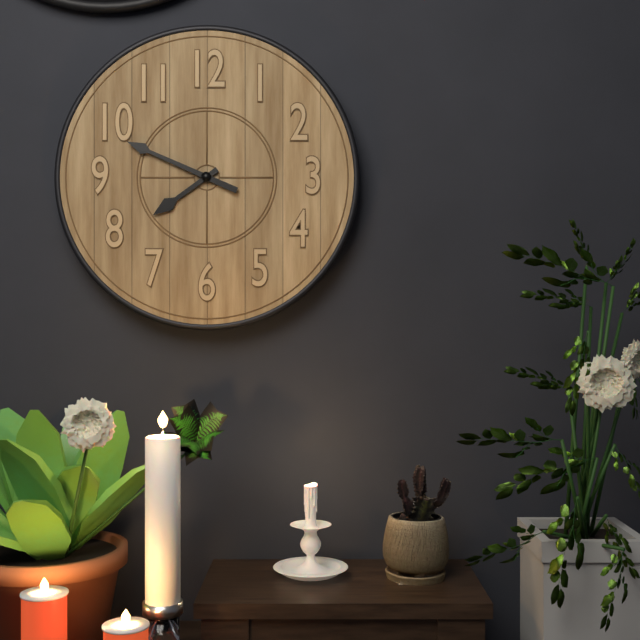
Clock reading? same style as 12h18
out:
7h49
